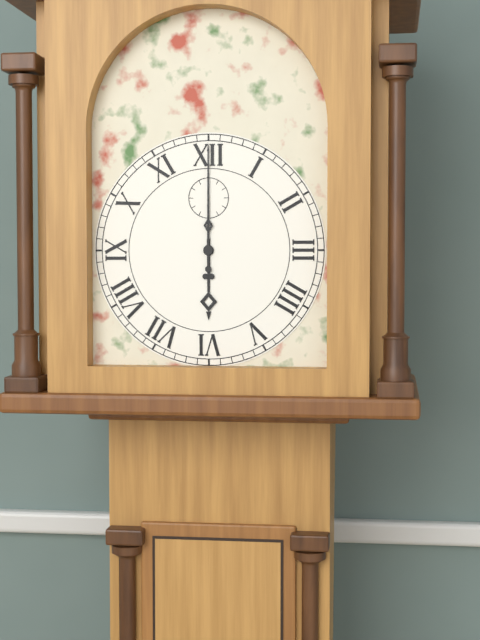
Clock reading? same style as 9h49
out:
6h00
